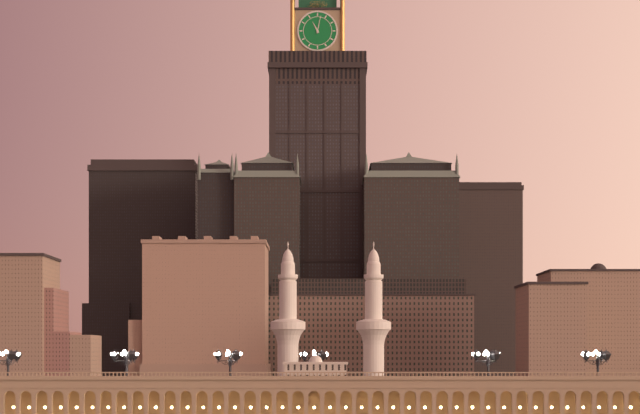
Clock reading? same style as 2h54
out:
11h02
